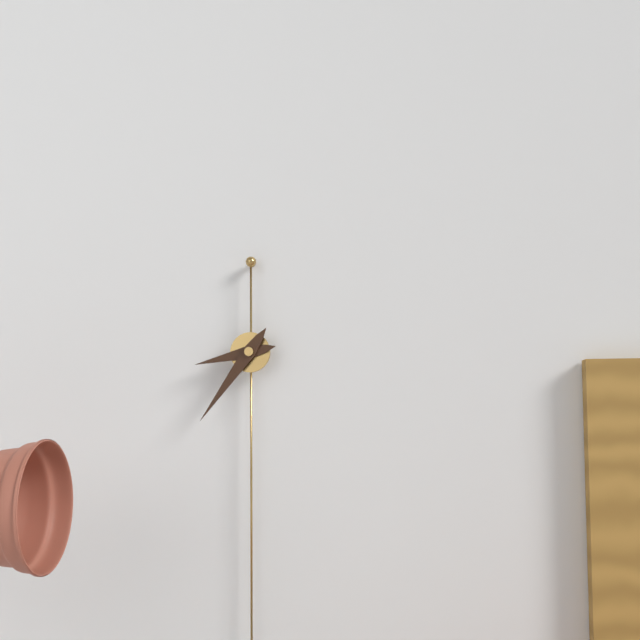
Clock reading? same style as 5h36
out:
8h36
